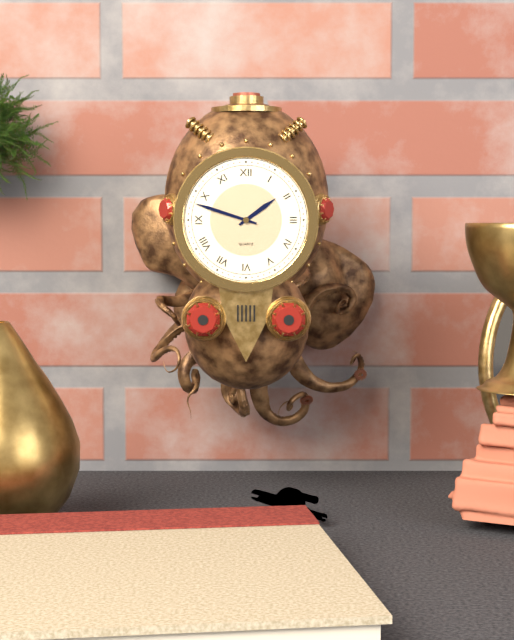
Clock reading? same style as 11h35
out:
1h48
